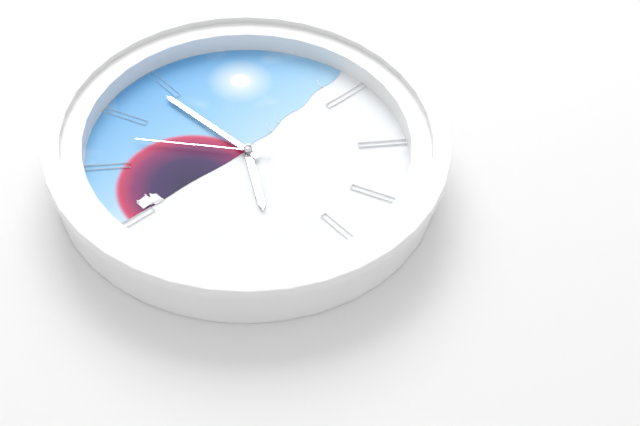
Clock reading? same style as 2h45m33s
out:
6h59m53s
